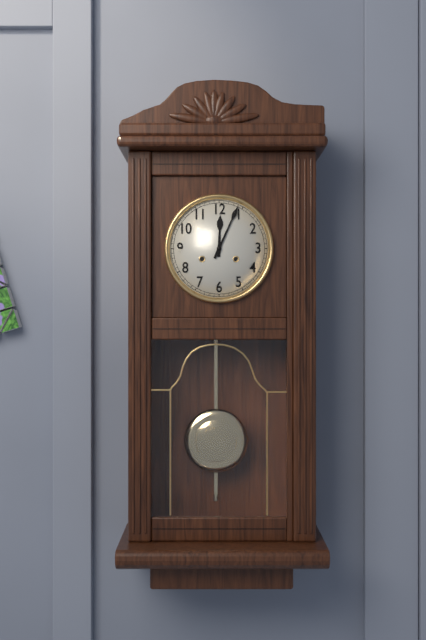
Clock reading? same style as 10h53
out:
12h04
